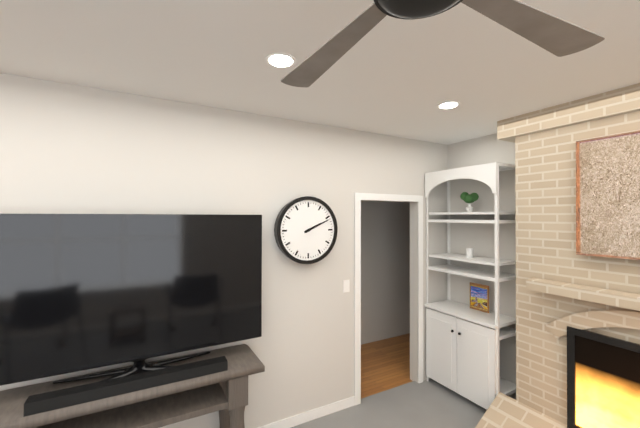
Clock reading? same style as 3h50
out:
2h11
